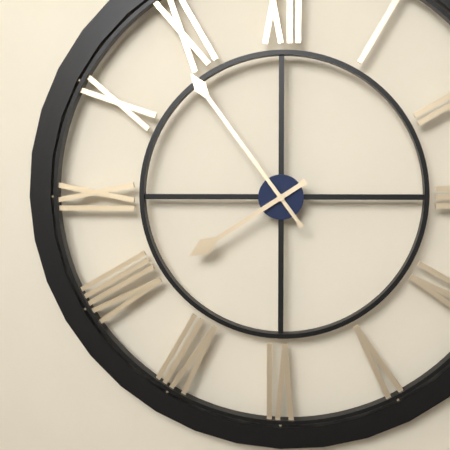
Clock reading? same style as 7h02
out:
7h54
